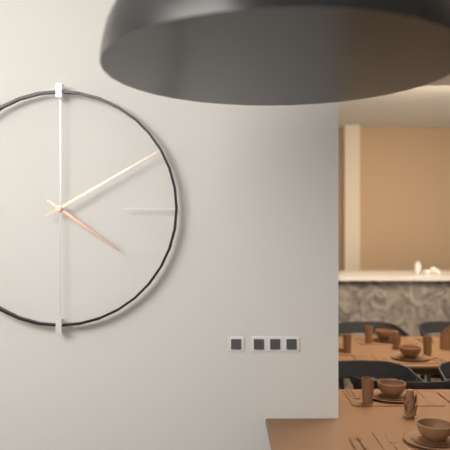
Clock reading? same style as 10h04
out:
4h10
